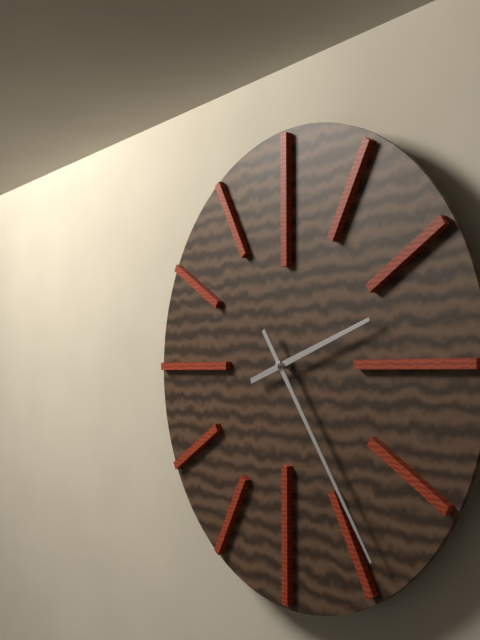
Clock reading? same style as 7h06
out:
2h24
